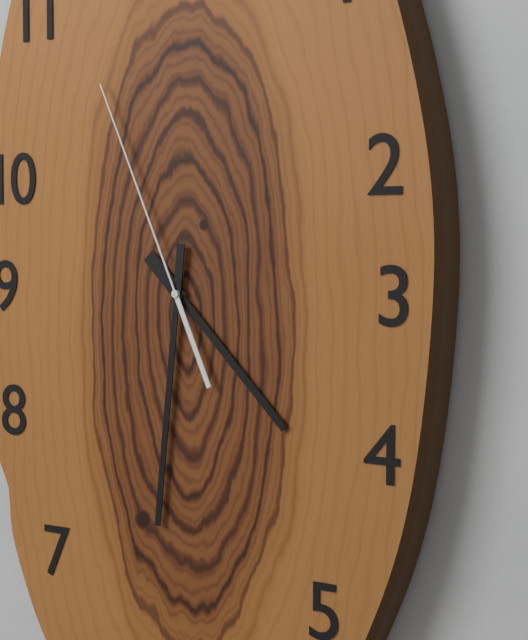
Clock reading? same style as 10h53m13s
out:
4h31m56s
